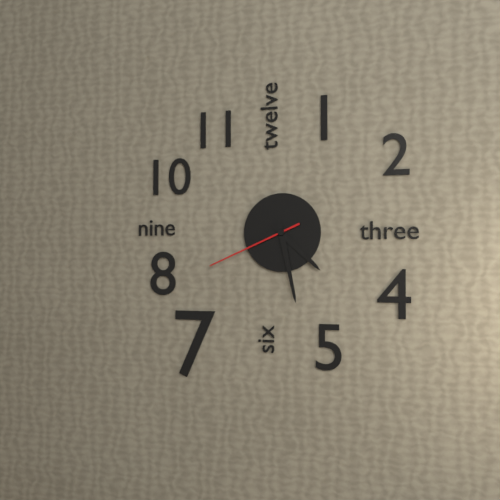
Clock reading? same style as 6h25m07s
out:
4h28m41s
